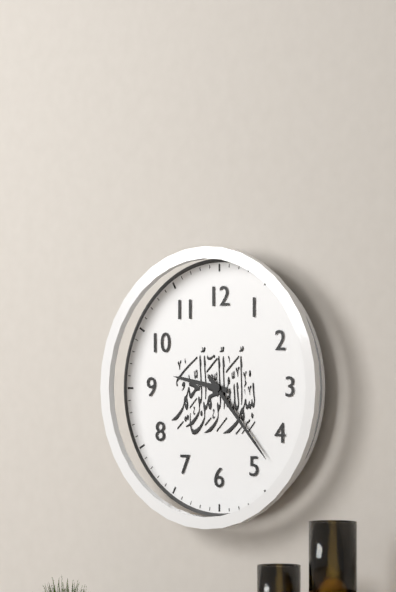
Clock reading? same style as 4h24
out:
9h23
